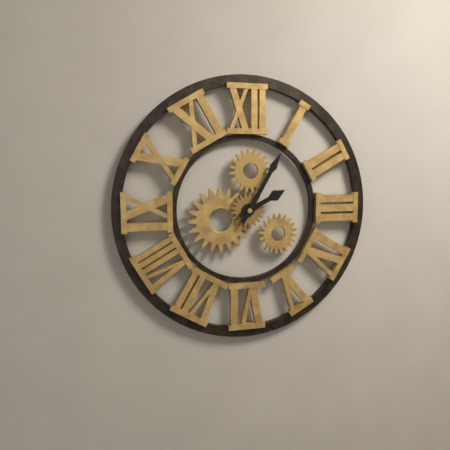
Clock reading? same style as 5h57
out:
2h05
